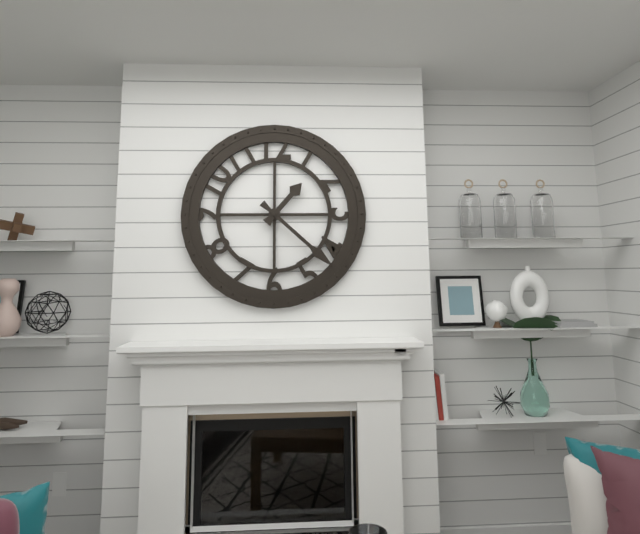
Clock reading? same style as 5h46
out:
1h22
